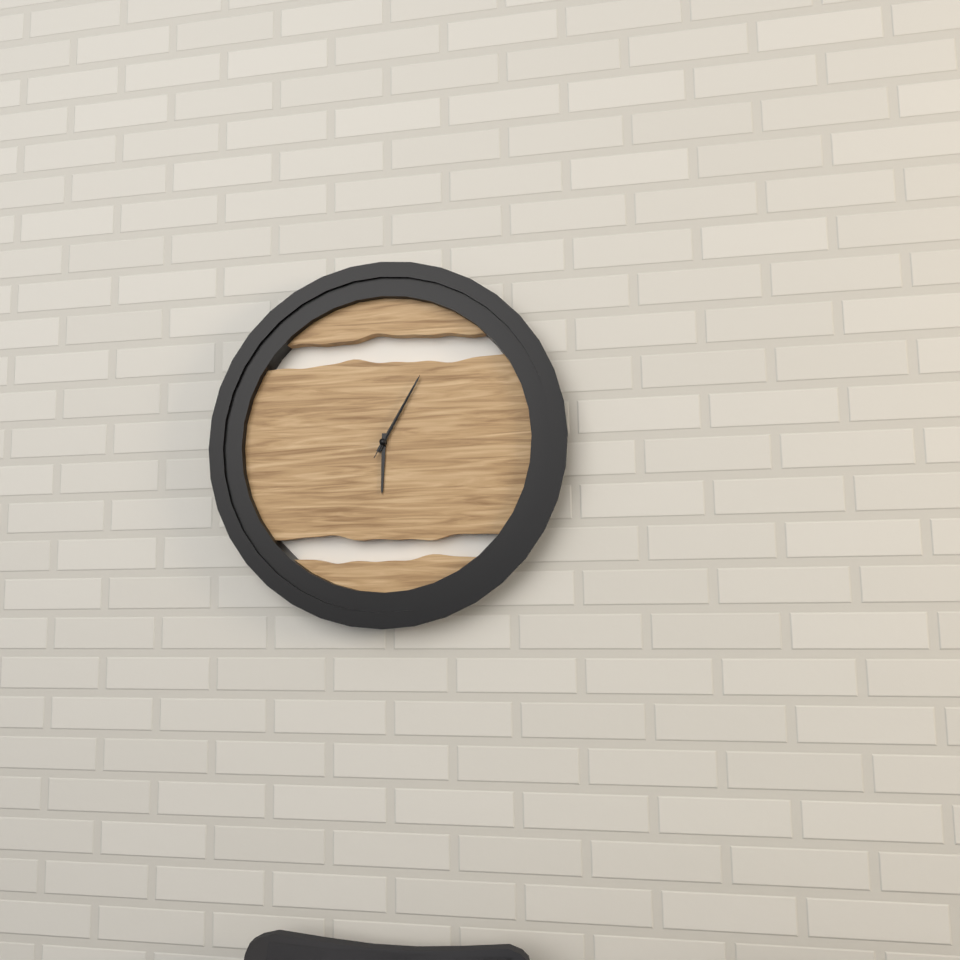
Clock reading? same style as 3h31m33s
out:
6h05m05s
